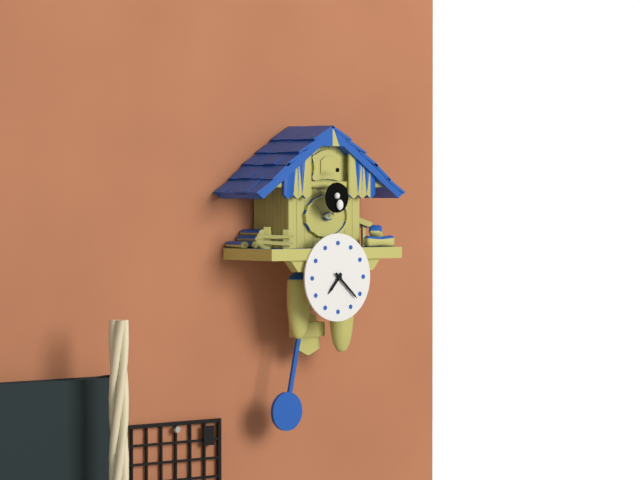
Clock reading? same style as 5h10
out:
7h22
